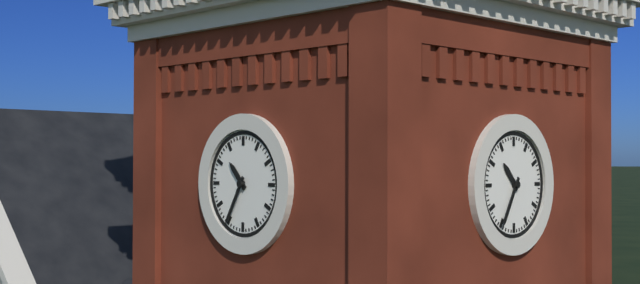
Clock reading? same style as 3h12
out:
10h35
